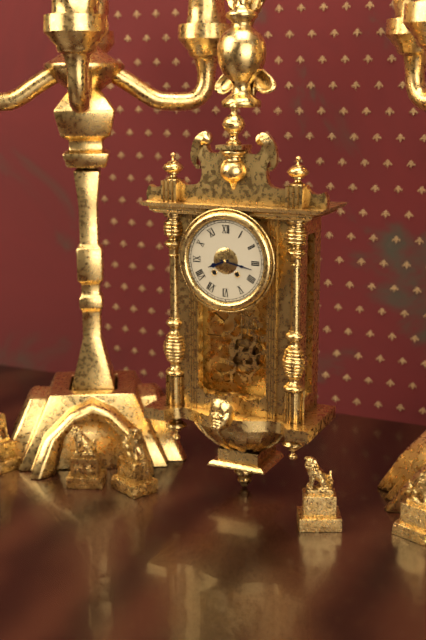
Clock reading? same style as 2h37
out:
8h17
